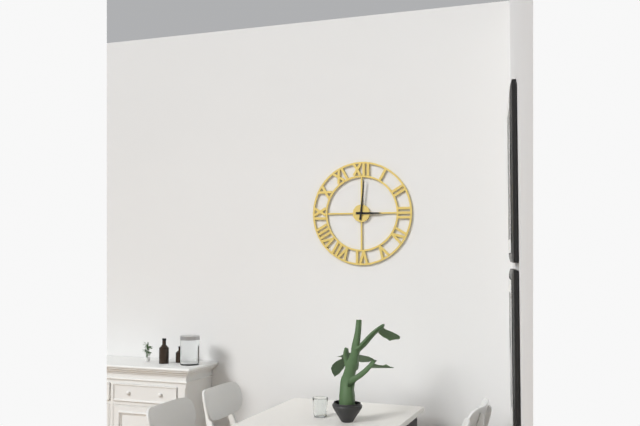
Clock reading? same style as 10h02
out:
3h01
